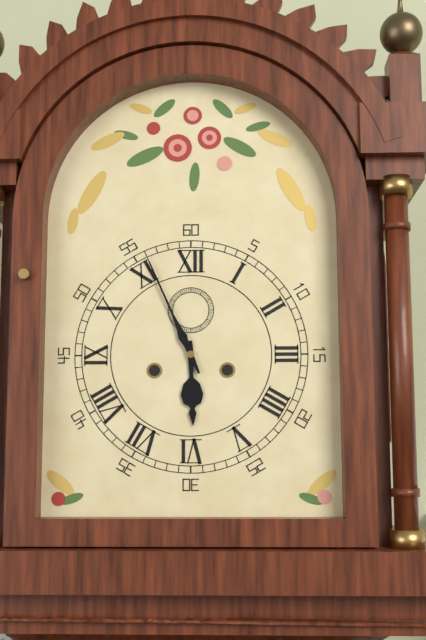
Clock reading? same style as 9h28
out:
5h56
